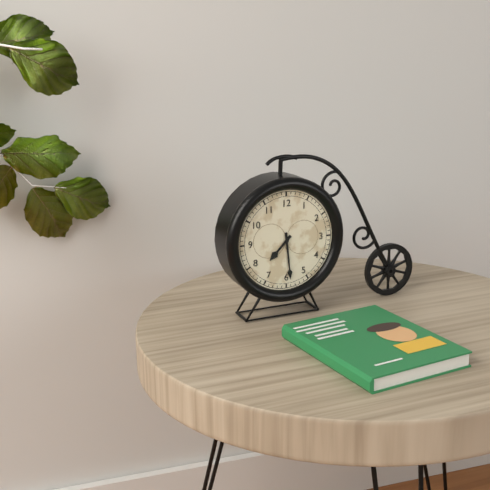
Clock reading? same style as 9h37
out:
7h29
